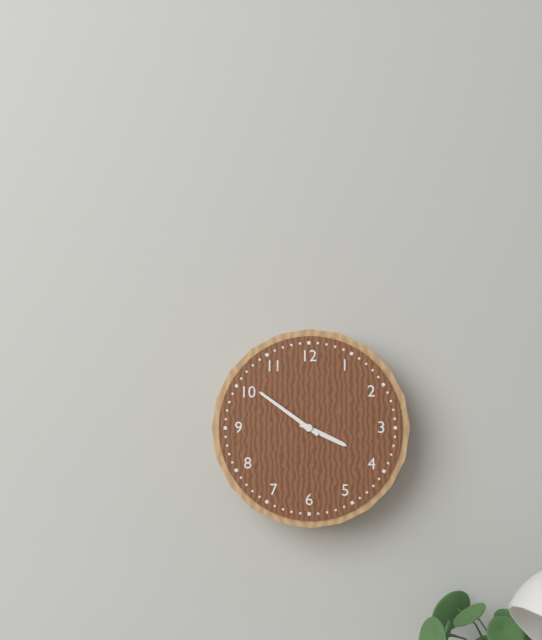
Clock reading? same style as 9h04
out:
3h51
